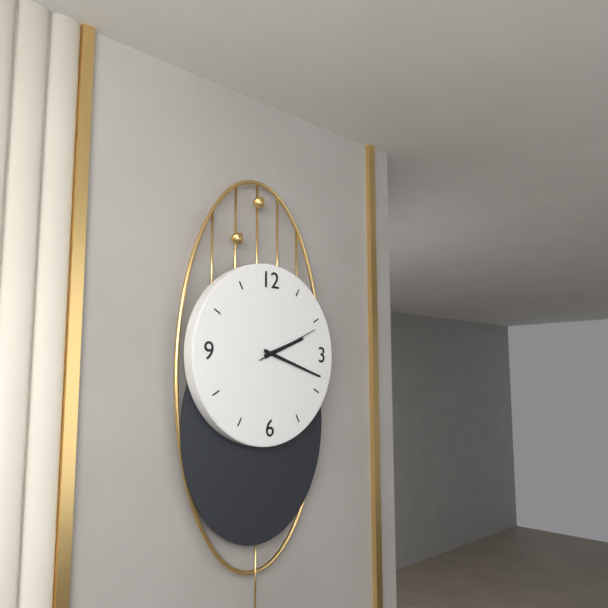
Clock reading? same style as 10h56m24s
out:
2h18m11s
